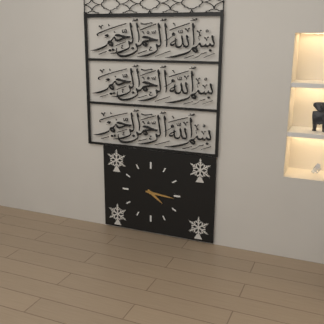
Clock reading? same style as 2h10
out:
4h16
